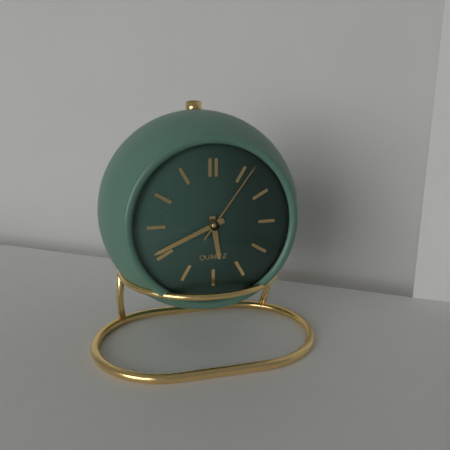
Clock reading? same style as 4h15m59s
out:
5h41m06s
